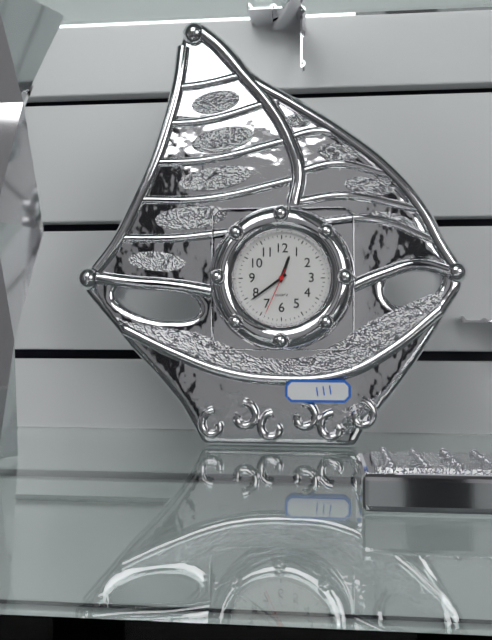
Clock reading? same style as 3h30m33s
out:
12h39m34s
